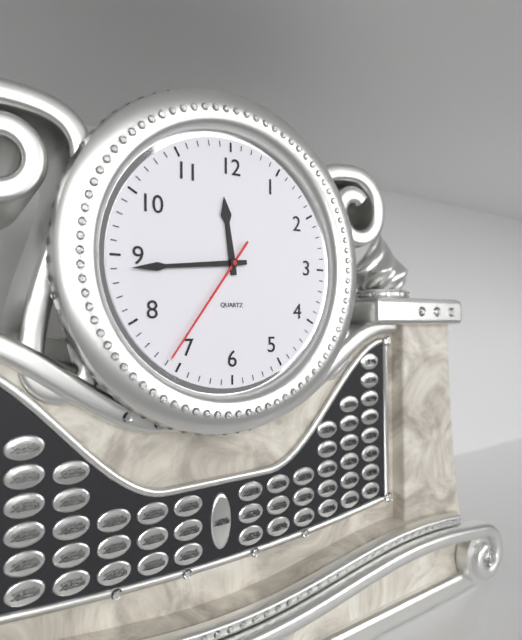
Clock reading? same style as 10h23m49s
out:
11h44m36s
